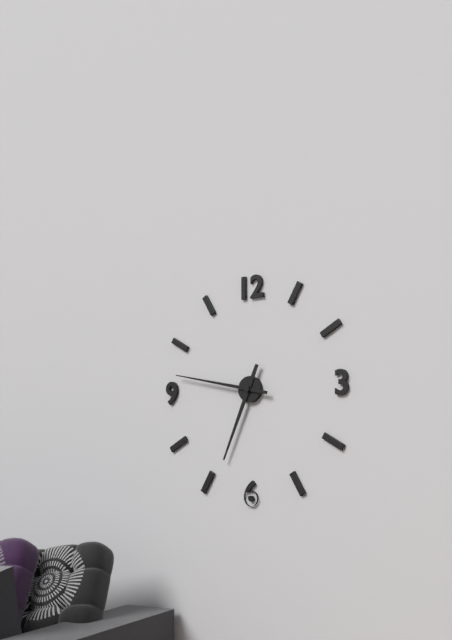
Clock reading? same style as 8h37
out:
6h47
